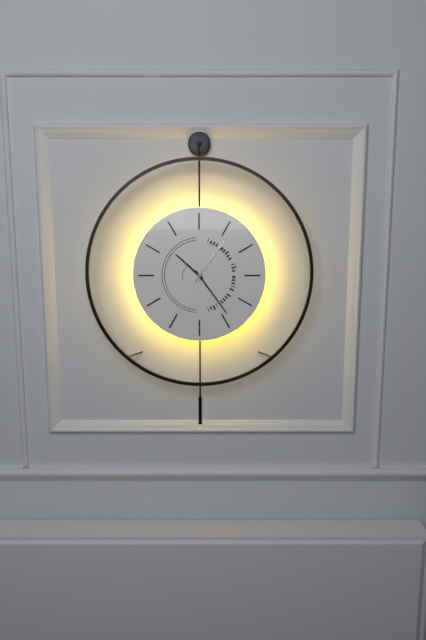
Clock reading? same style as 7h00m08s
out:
10h24m06s
